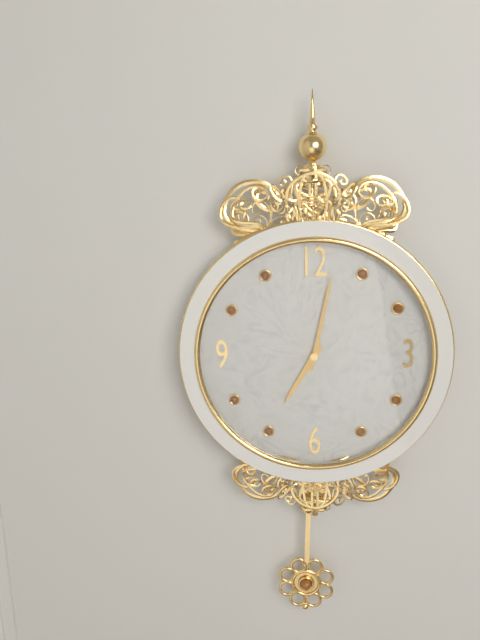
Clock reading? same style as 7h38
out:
7h02
